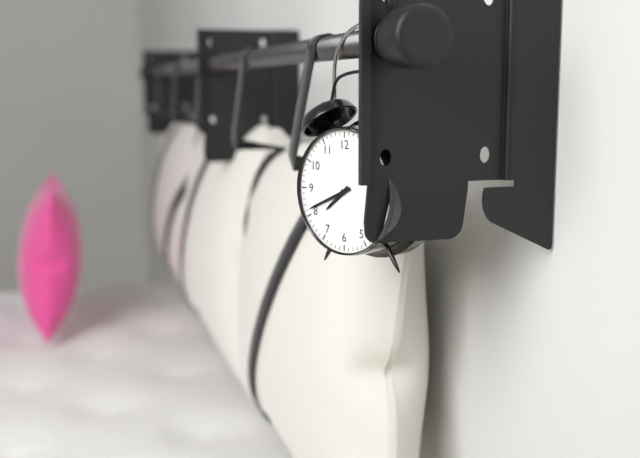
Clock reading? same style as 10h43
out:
7h41
